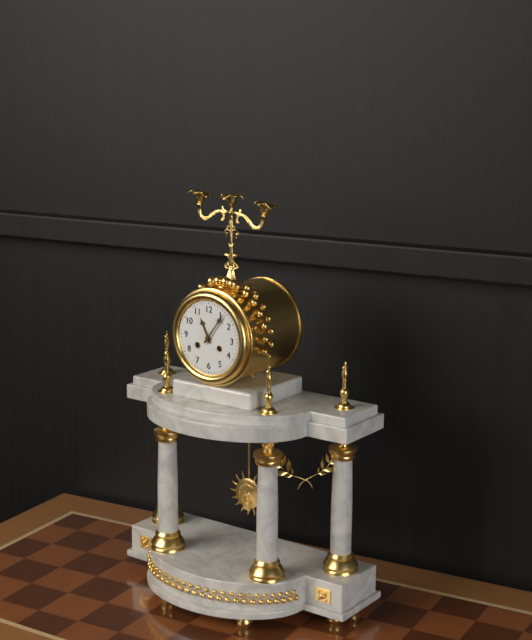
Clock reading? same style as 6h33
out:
11h06
